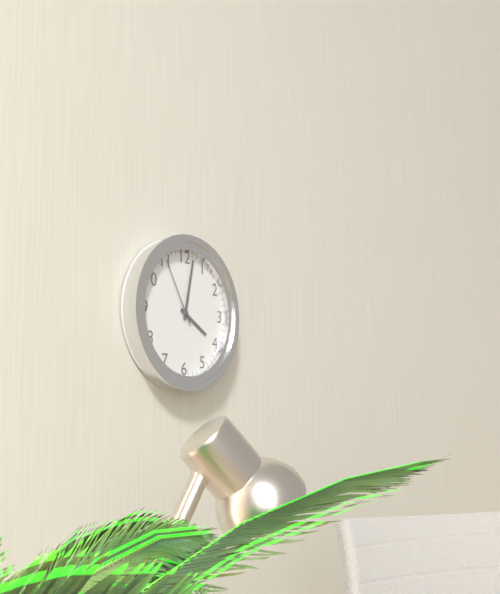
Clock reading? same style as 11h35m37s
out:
4h02m55s
